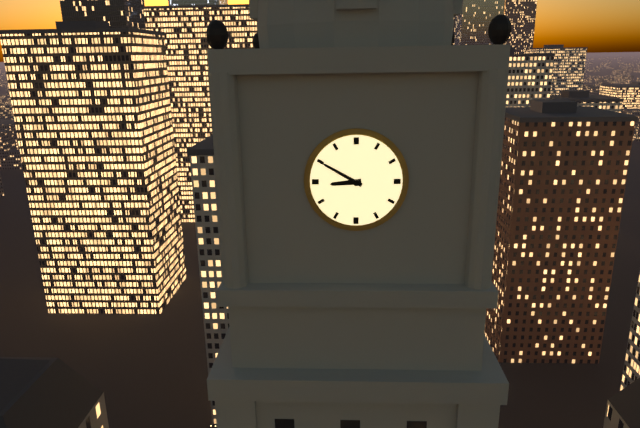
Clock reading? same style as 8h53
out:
8h50
